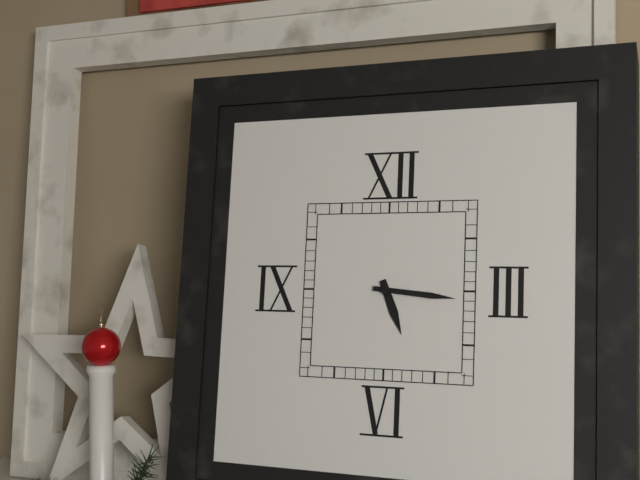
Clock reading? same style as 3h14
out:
5h16
